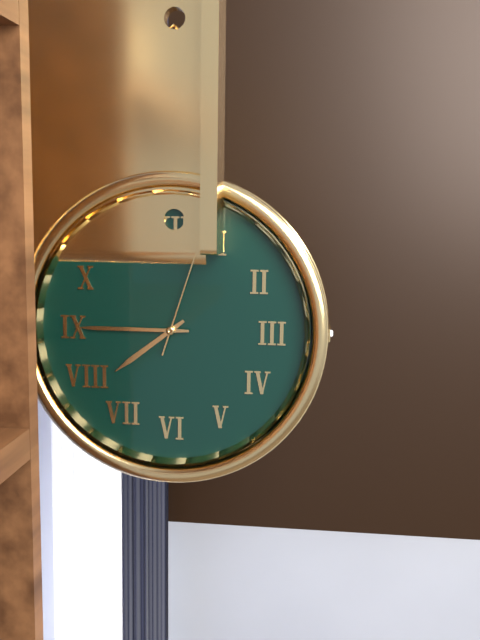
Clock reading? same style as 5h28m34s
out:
7h45m03s
